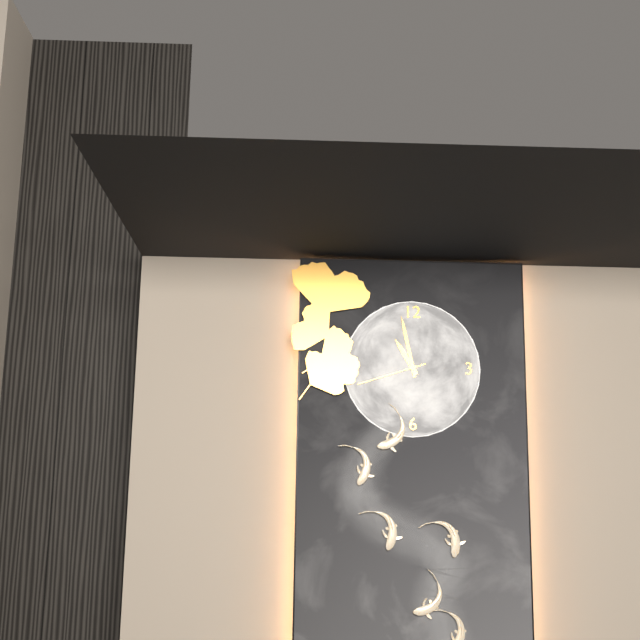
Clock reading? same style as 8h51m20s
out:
10h58m42s
